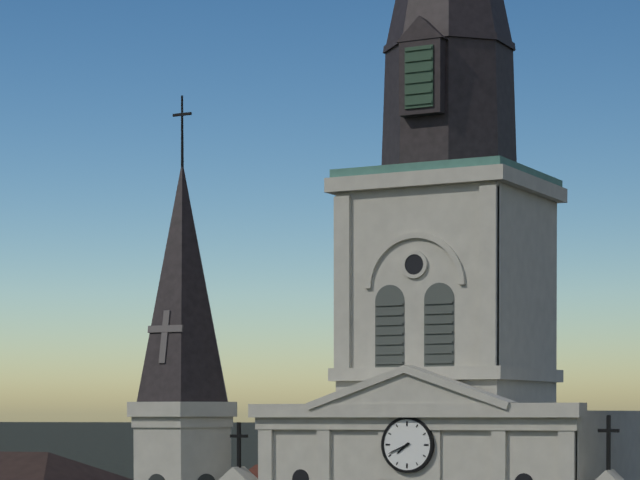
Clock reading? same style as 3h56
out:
7h41
